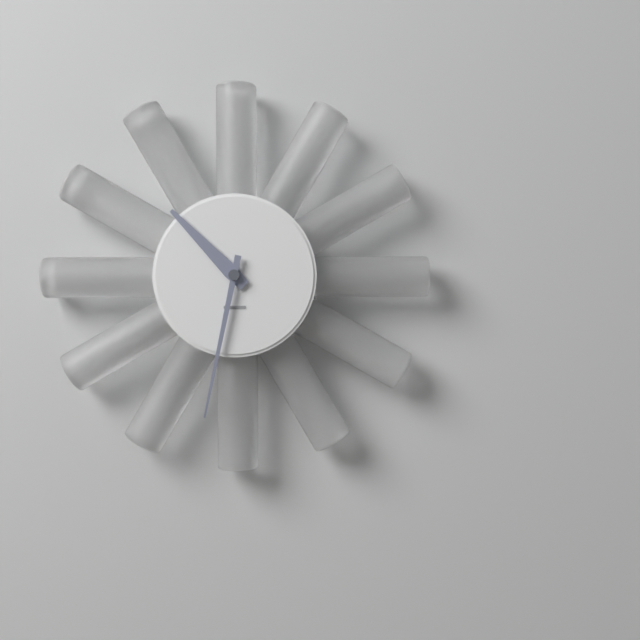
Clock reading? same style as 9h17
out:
10h32
